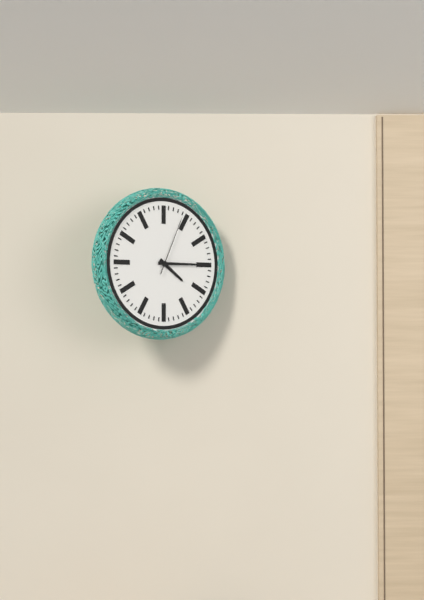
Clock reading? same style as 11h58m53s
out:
4h15m04s
